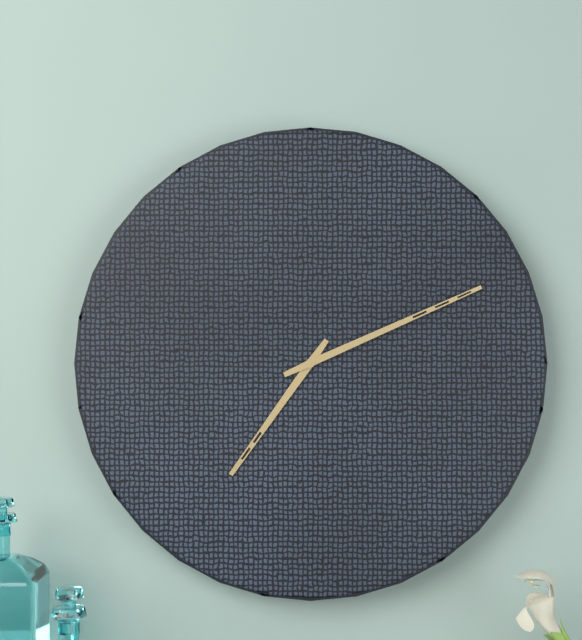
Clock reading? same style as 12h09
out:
7h11
